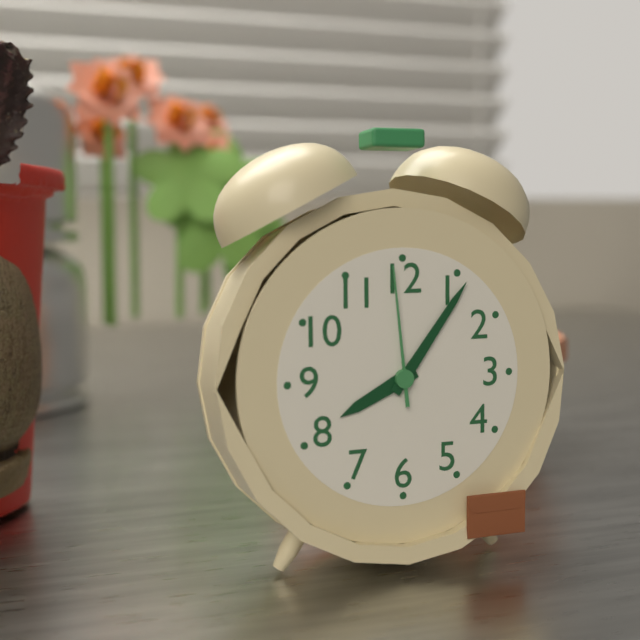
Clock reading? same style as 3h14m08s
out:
8h06m59s
